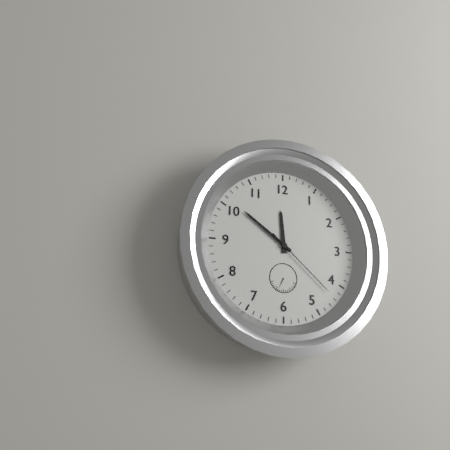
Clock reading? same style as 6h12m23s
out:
11h51m22s
